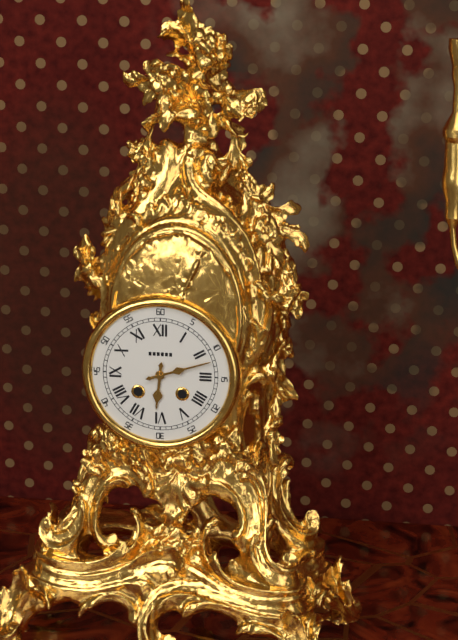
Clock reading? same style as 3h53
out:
6h12
